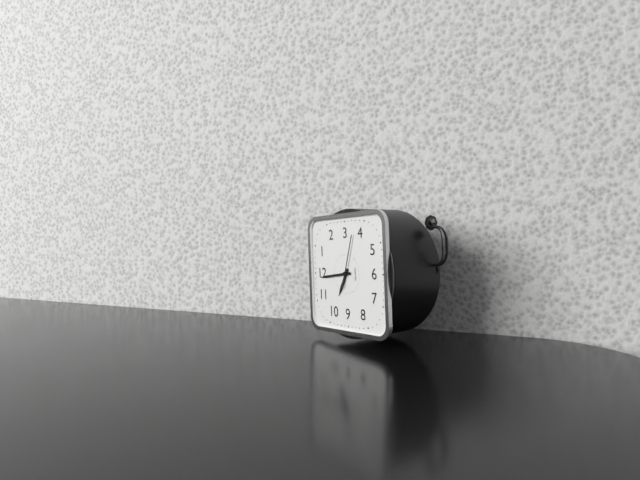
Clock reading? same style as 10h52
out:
9h59
